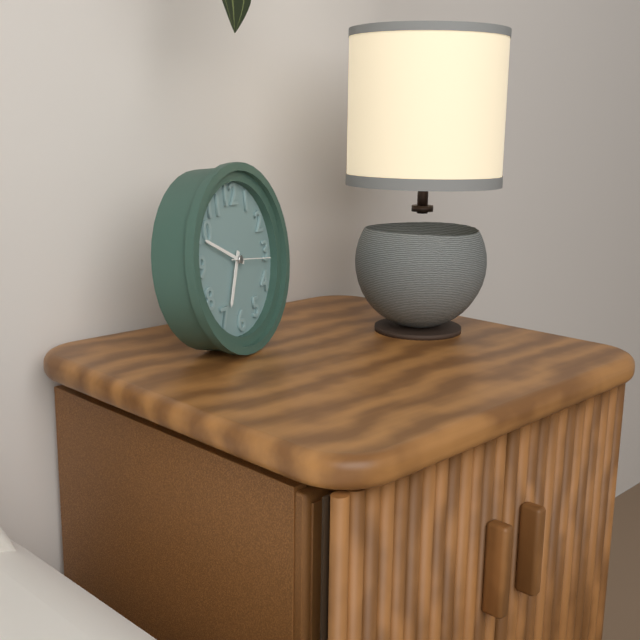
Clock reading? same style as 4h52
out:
6h49
